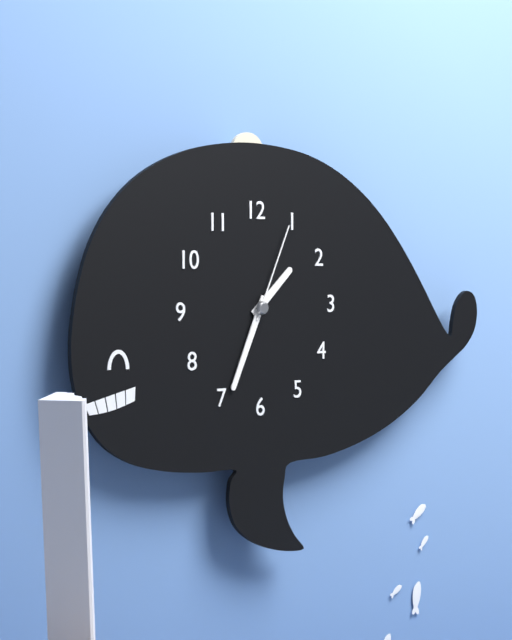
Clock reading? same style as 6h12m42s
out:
1h34m04s
